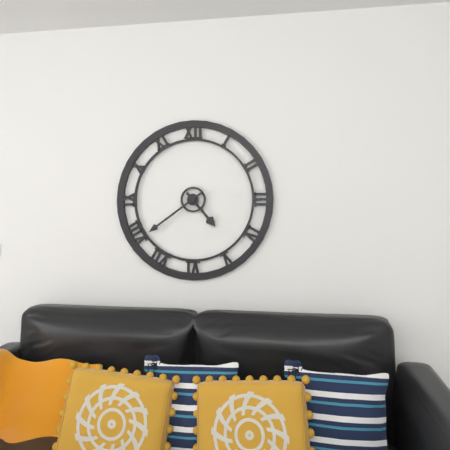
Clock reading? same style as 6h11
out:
4h39
